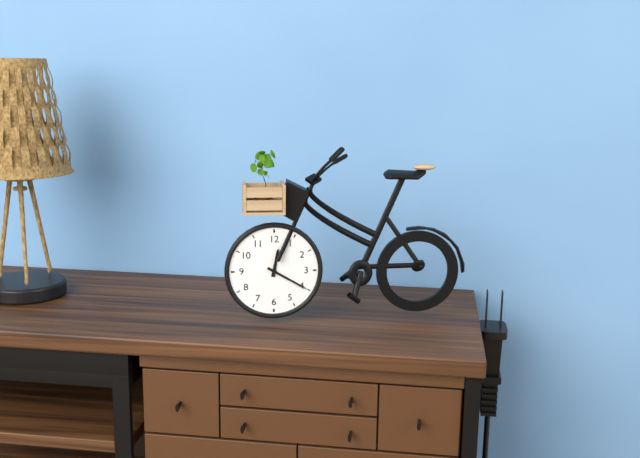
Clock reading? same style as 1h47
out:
12h20
